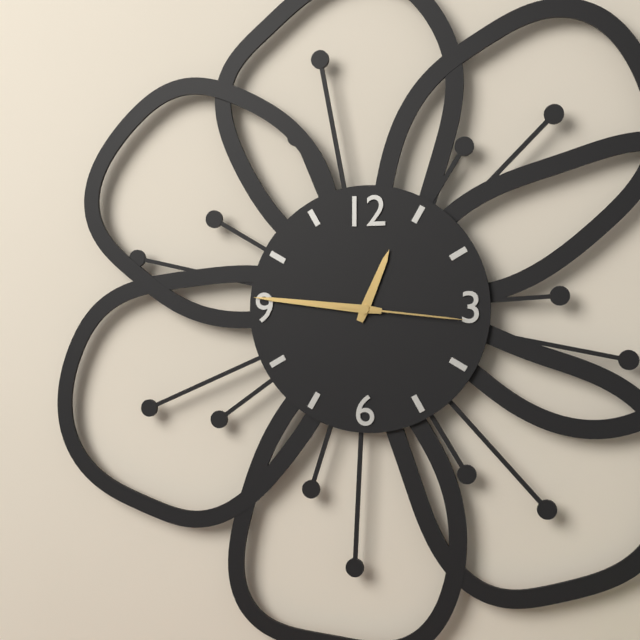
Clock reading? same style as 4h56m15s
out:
12h46m16s
